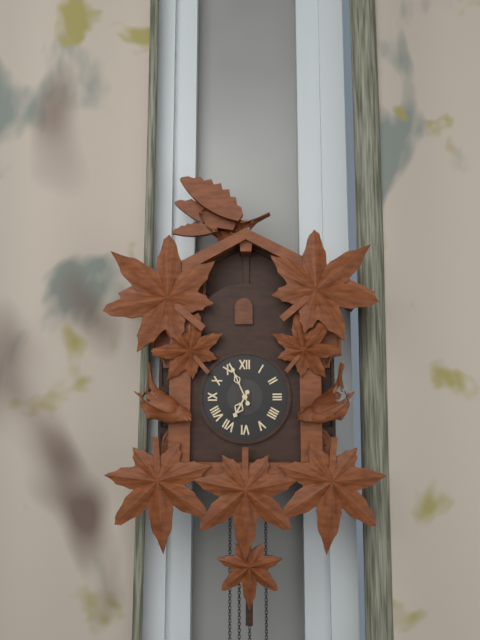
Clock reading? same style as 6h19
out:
6h56
